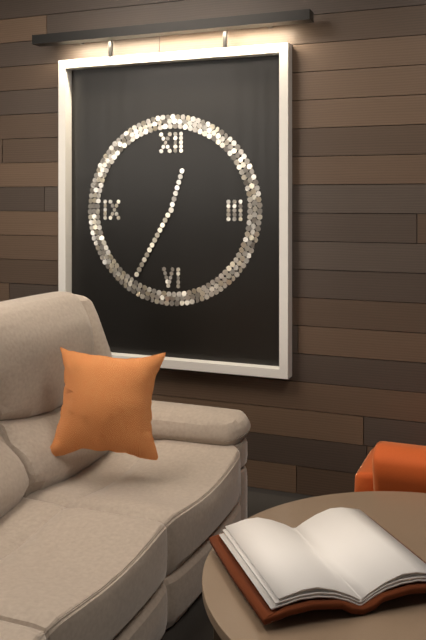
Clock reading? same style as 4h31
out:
12h35
